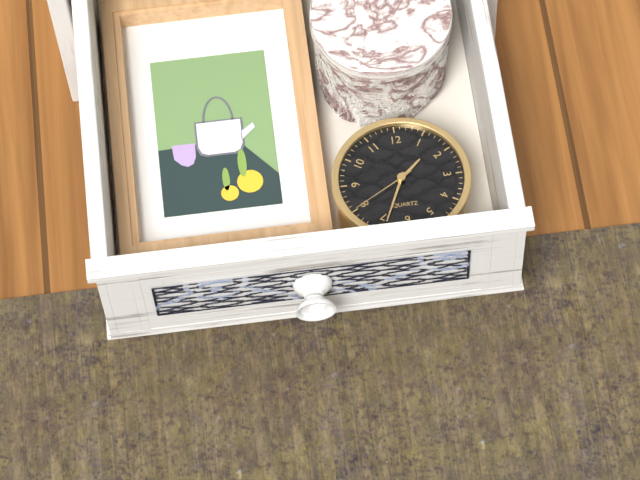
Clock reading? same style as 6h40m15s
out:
1h34m40s
